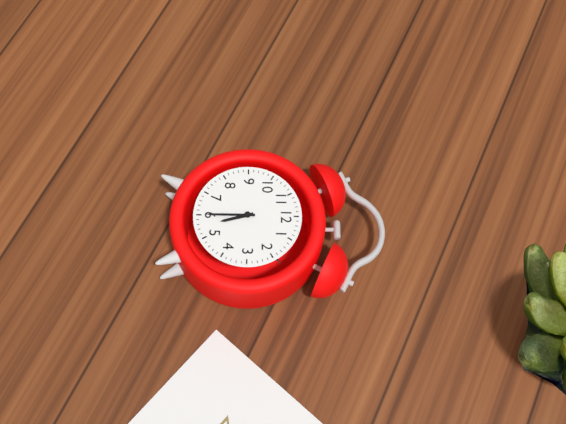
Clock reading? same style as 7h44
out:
5h30
